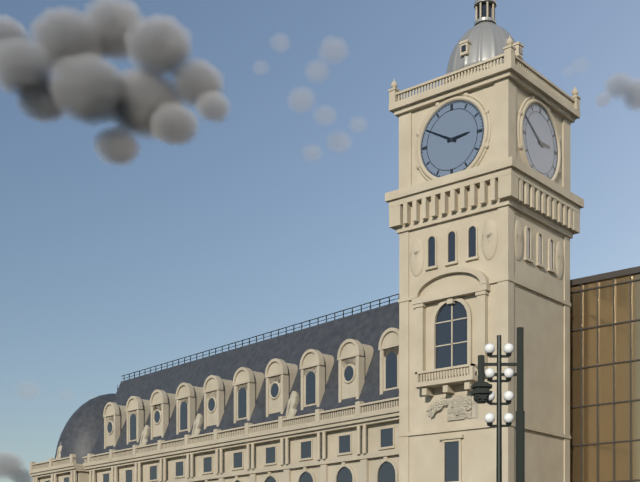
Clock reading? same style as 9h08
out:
2h50
